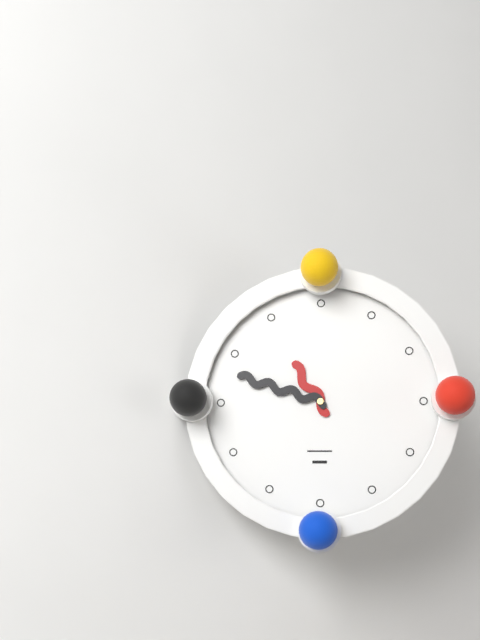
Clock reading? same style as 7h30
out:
10h48
